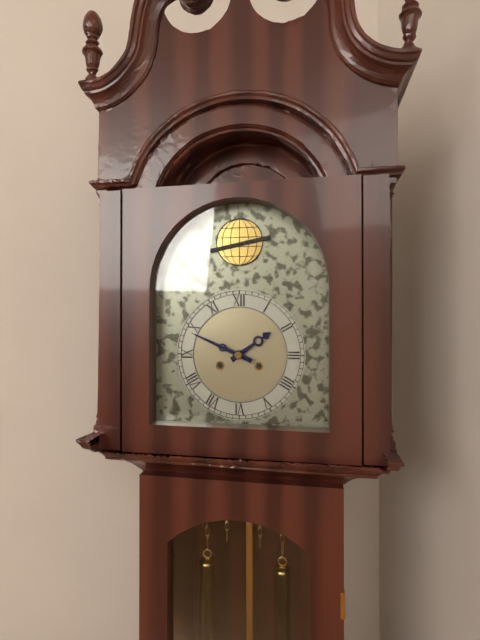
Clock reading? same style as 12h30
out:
1h49
